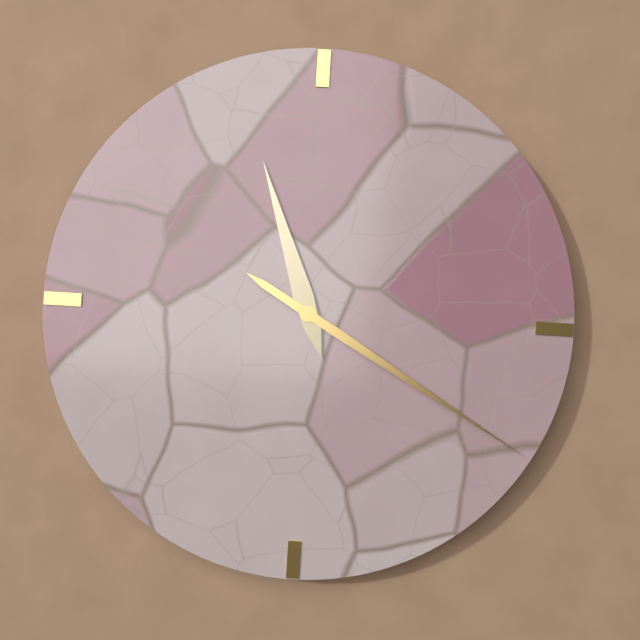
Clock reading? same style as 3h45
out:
11h20
